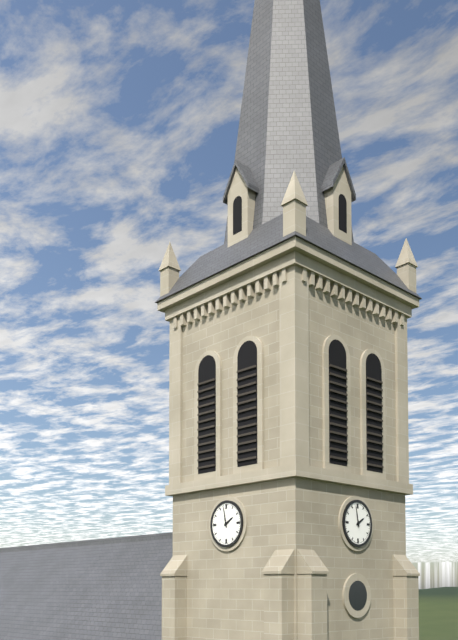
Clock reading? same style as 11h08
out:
1h58
